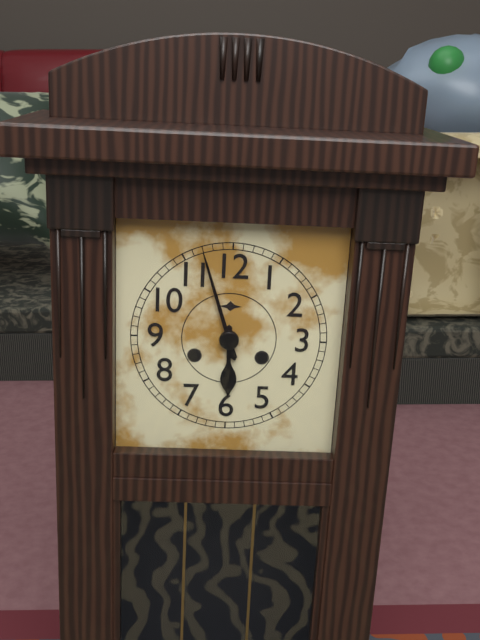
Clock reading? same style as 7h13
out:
5h57
